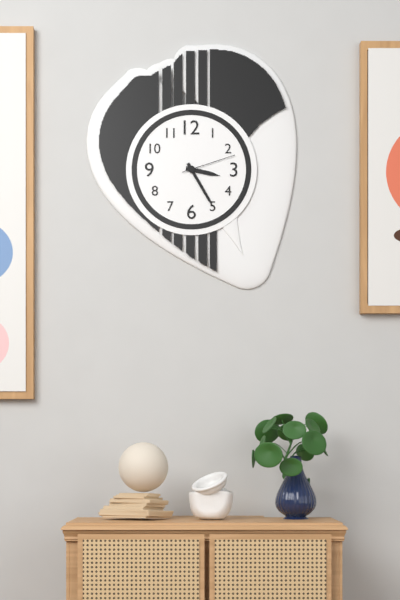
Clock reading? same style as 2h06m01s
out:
3h25m12s
